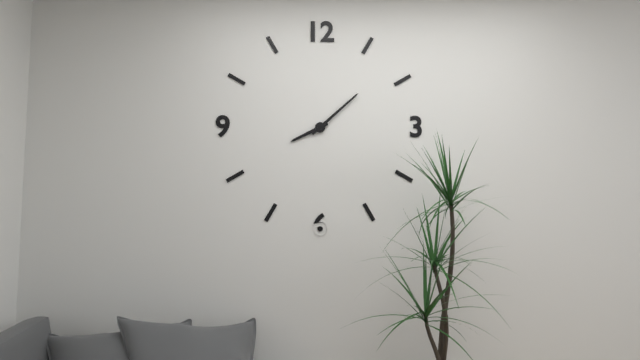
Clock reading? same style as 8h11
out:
8h08
